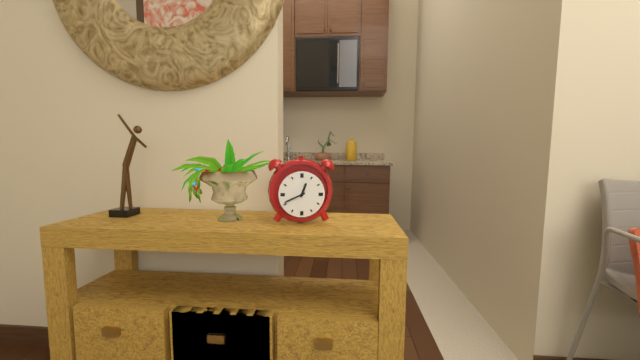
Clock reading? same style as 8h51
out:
12h41
